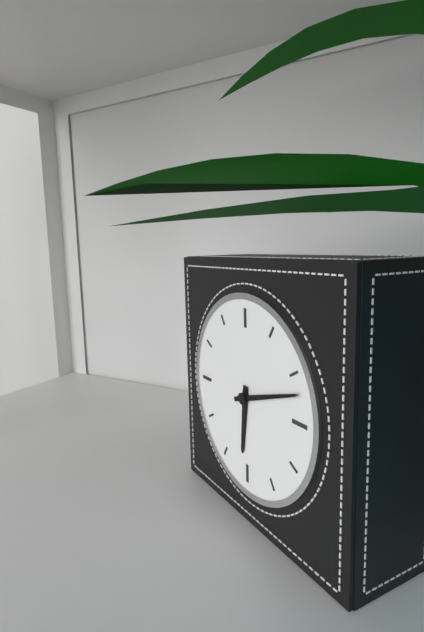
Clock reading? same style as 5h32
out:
6h12
